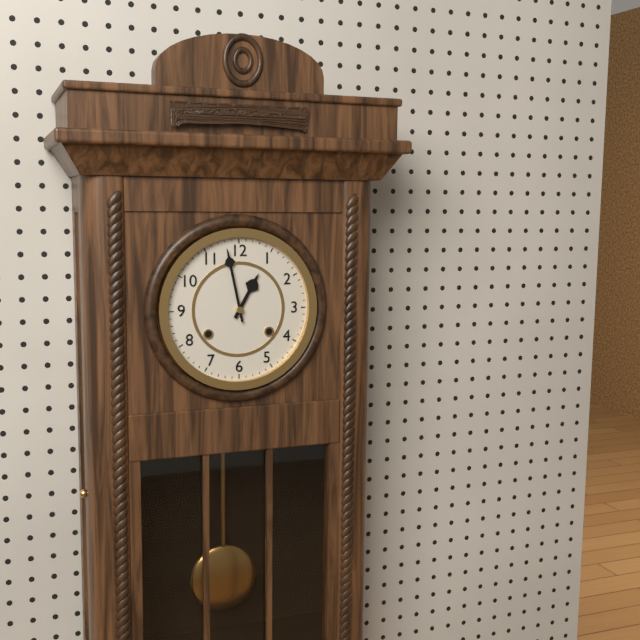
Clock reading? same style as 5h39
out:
12h58
